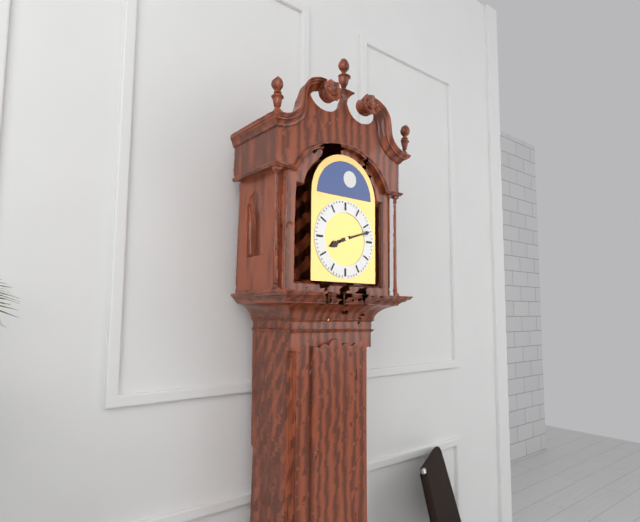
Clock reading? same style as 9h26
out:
8h12
